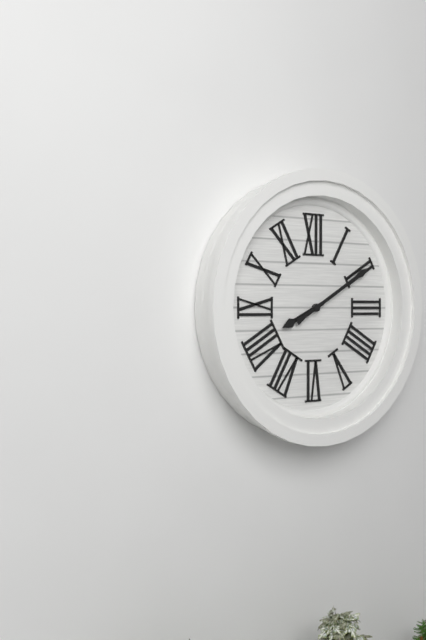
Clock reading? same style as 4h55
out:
8h10
